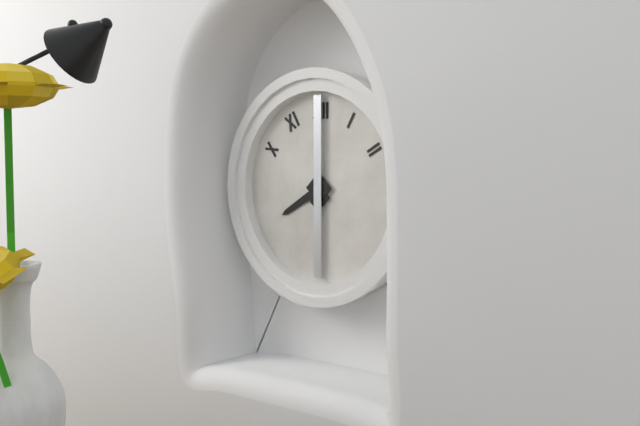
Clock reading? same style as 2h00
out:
8h00
